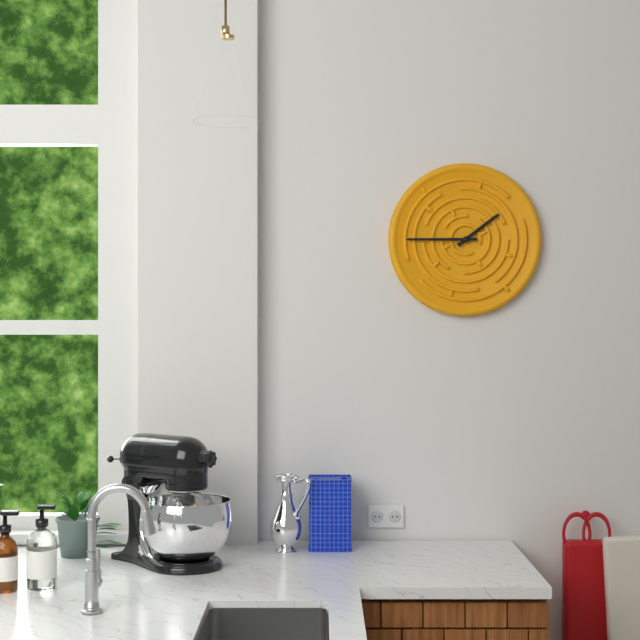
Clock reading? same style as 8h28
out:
1h45
